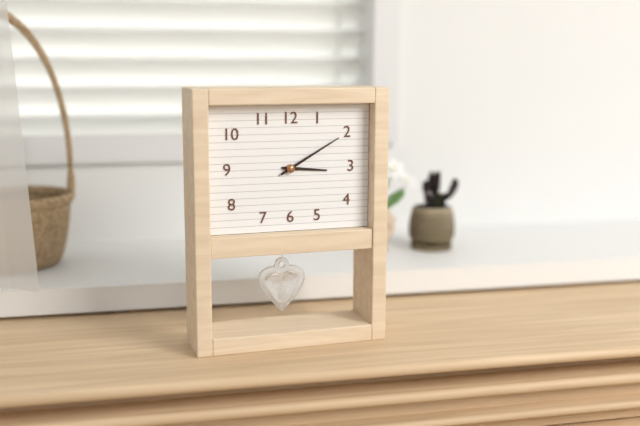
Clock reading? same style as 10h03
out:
3h10
